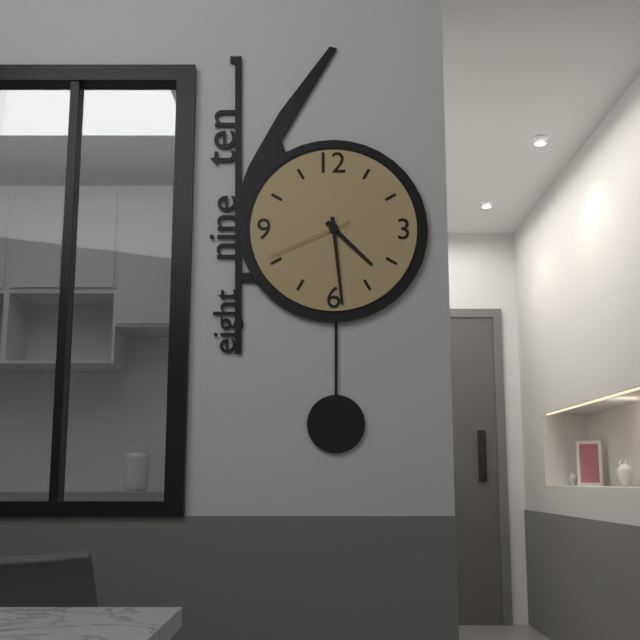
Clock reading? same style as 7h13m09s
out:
4h29m41s
